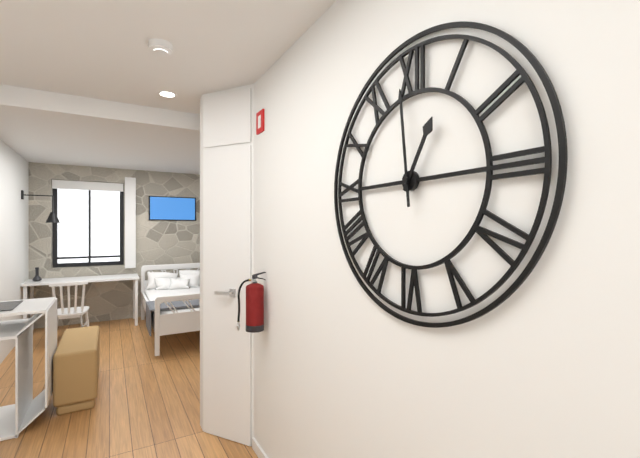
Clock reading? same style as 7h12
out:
12h59
